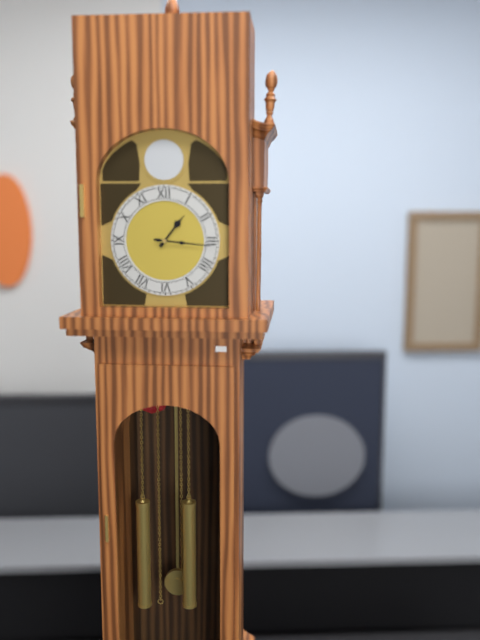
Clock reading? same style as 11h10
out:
1h16
